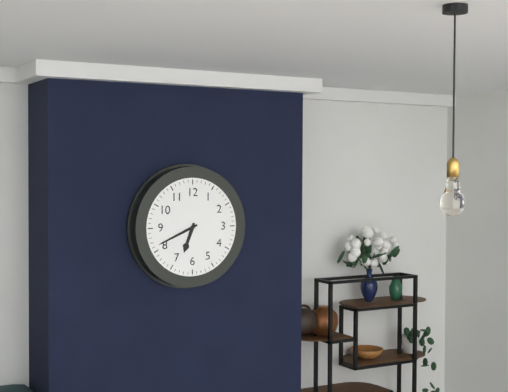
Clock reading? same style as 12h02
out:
6h41
